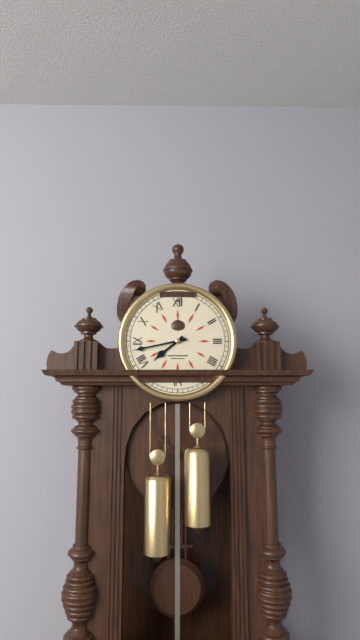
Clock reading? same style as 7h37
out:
7h43
